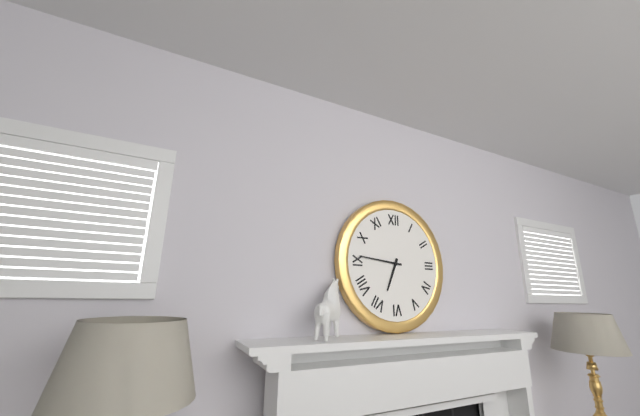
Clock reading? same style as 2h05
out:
6h46
